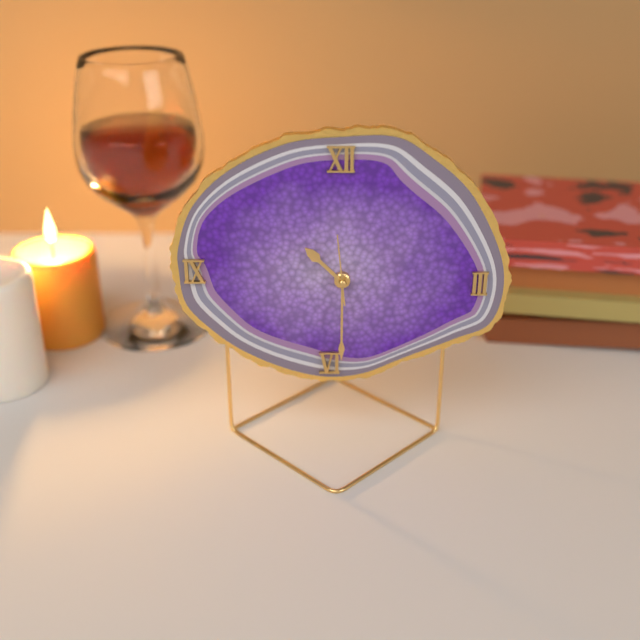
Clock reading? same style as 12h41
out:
10h30
